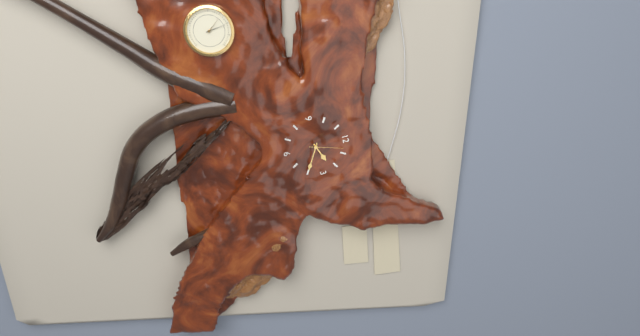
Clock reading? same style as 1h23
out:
2h20
